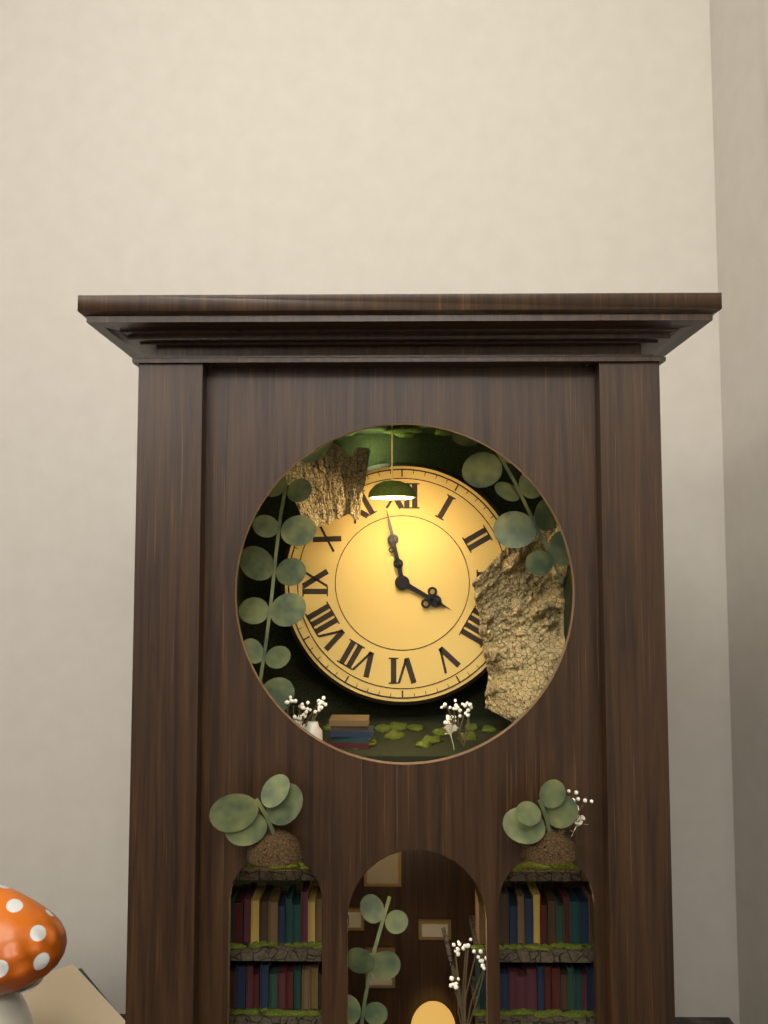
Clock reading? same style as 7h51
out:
3h58
